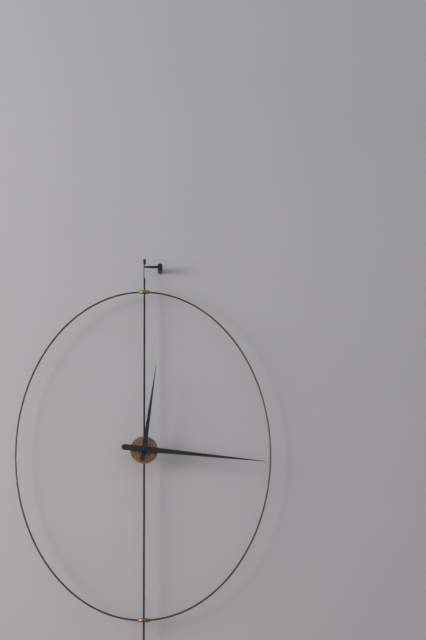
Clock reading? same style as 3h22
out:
12h16
